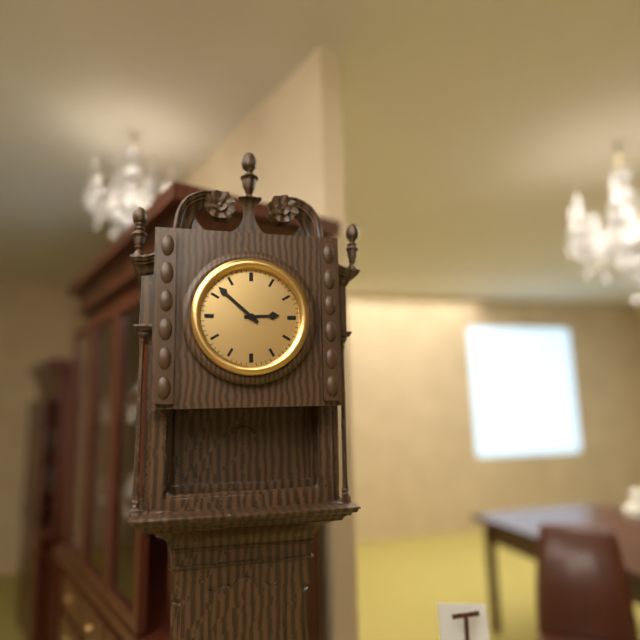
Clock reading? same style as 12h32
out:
2h52
